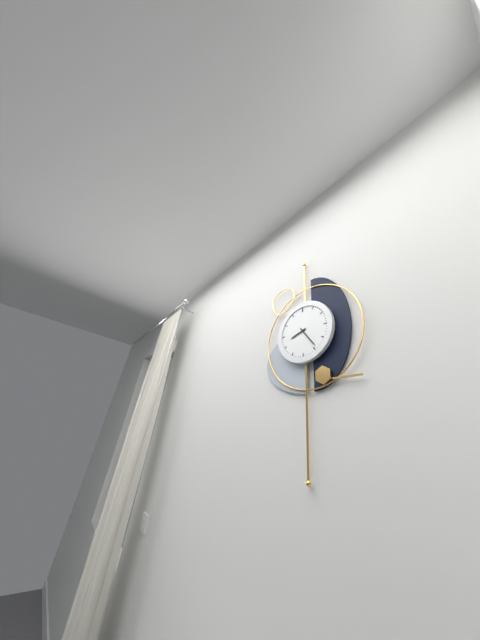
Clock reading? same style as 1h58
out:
8h24
